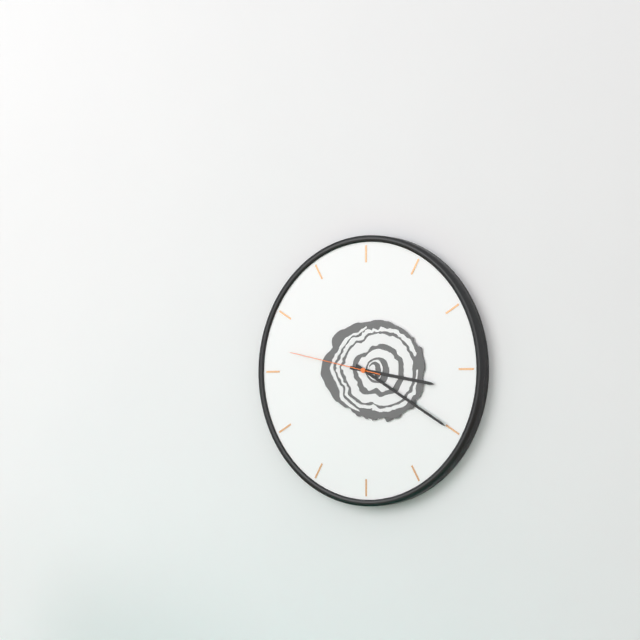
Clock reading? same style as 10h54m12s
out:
3h20m47s
